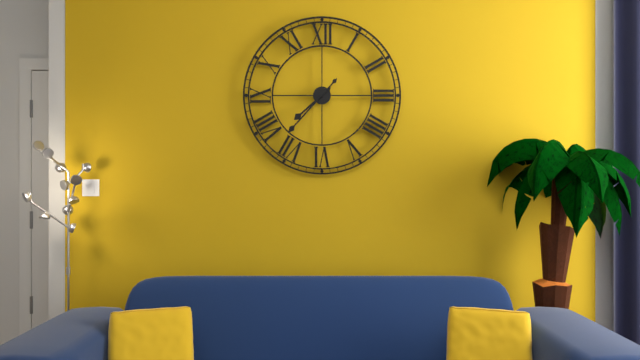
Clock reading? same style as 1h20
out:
7h37
